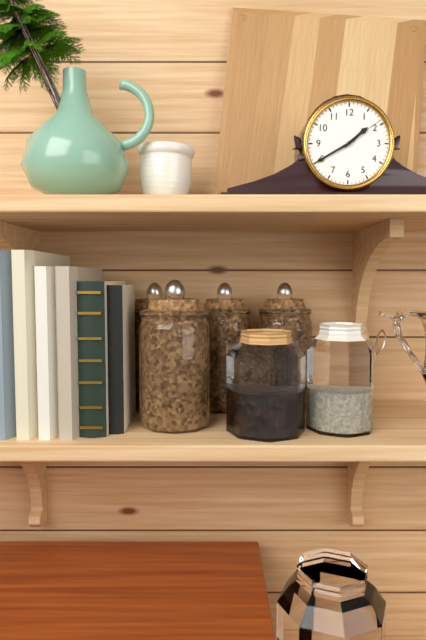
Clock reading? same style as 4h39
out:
1h40
